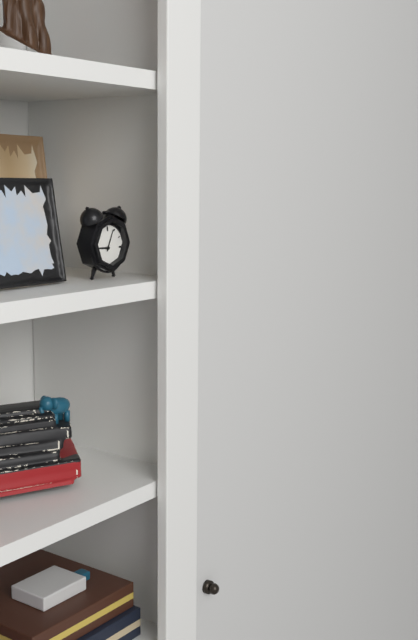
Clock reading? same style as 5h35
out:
9h04
